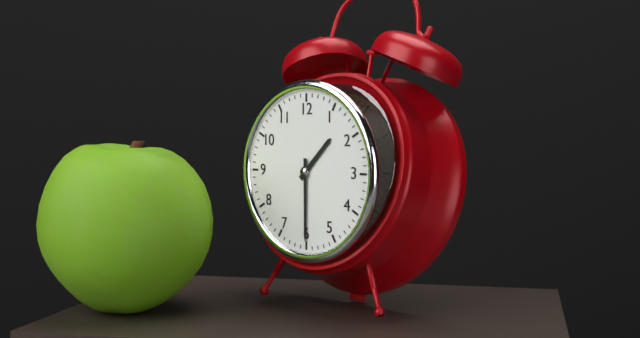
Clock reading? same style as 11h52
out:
1h30
